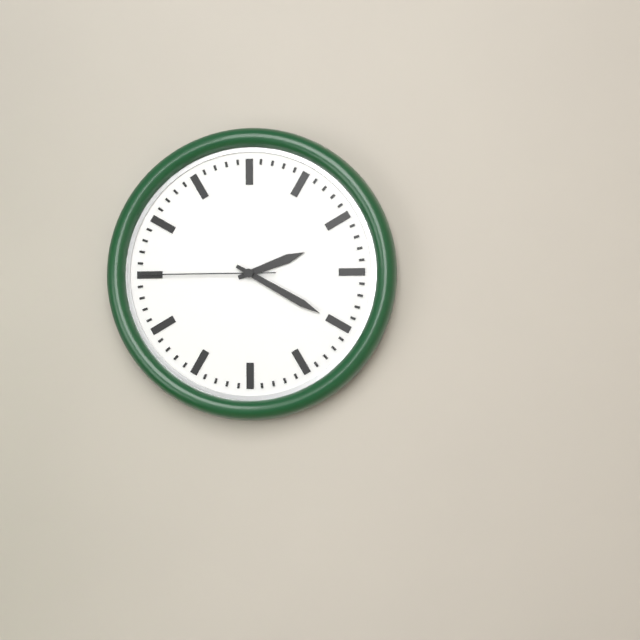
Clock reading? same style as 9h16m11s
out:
2h20m45s
